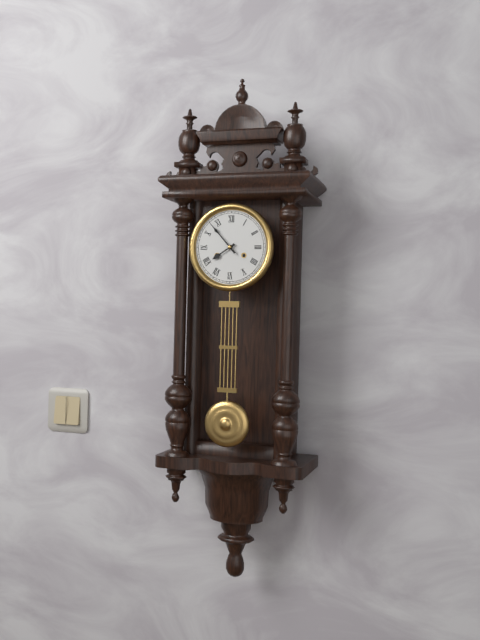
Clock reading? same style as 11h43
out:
7h53
